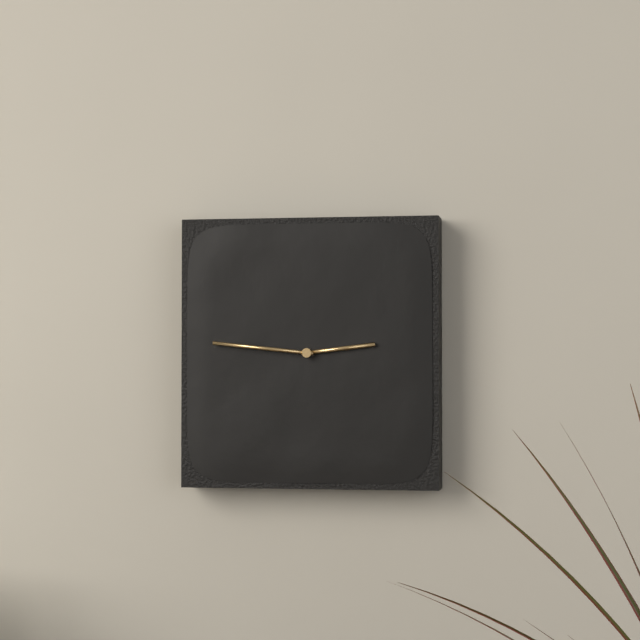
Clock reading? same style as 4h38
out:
2h46
